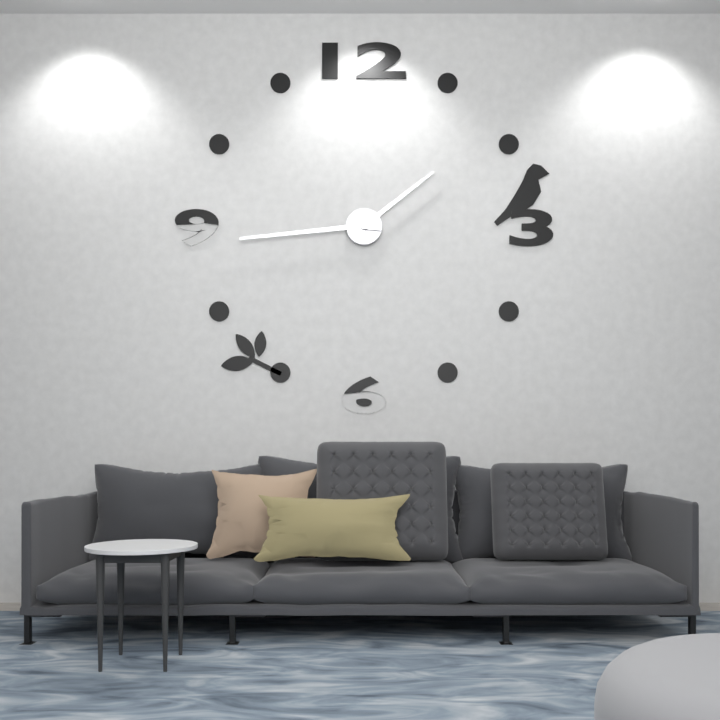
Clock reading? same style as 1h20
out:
1h44
